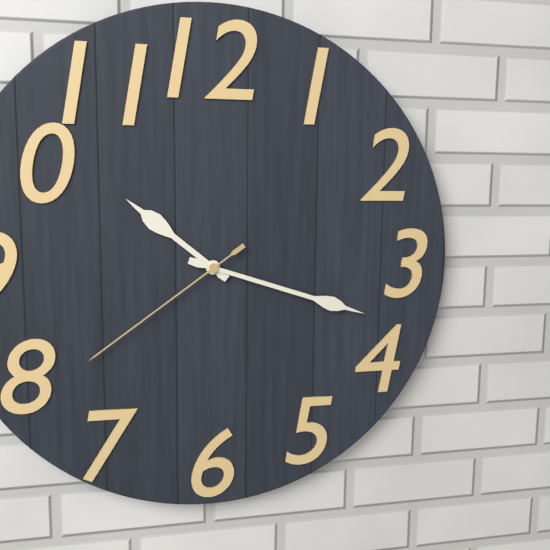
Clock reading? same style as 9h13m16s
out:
10h18m39s
